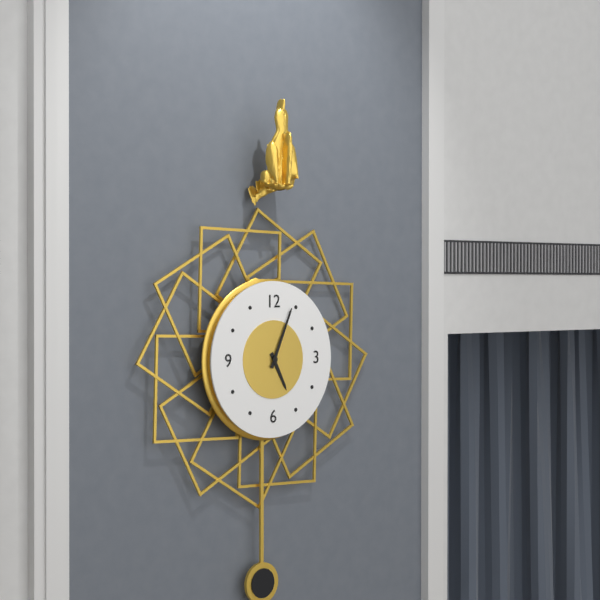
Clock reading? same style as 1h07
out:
5h04
